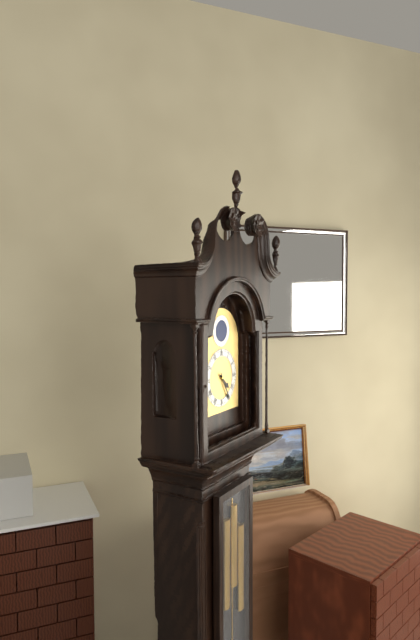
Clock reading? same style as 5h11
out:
4h25
